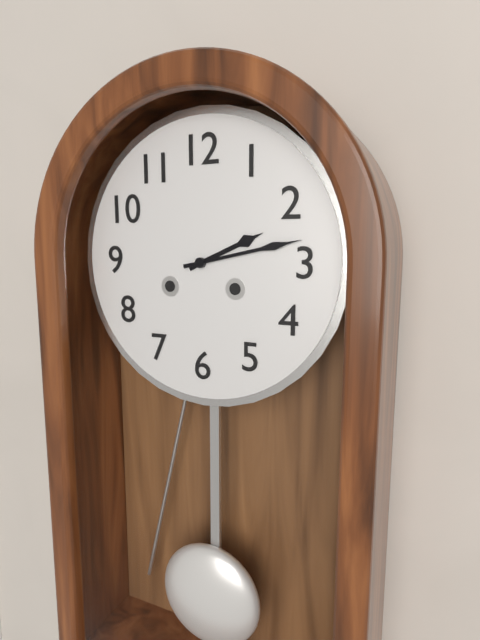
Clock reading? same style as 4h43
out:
2h13
